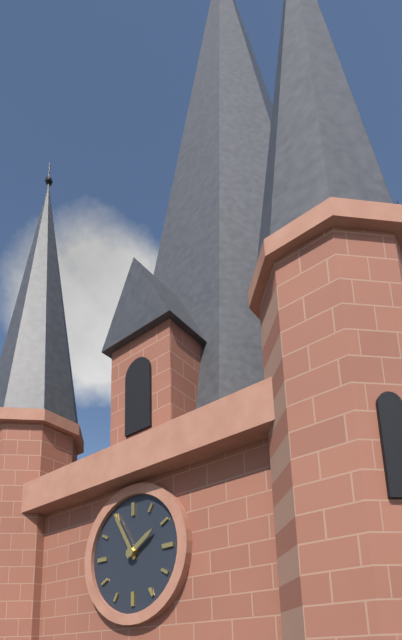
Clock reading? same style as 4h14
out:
1h55
